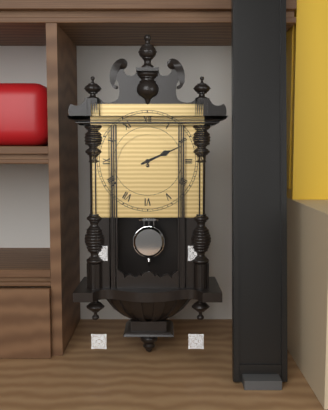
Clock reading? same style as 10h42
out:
2h11
